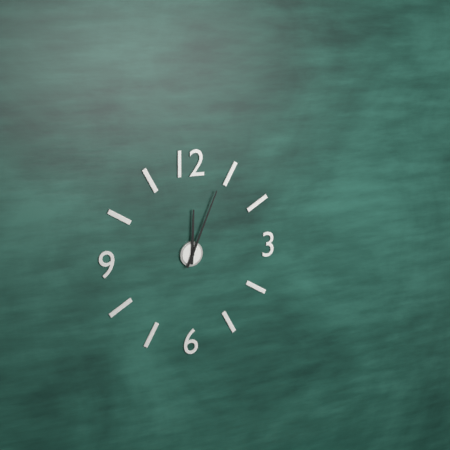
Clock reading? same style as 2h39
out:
12h04
